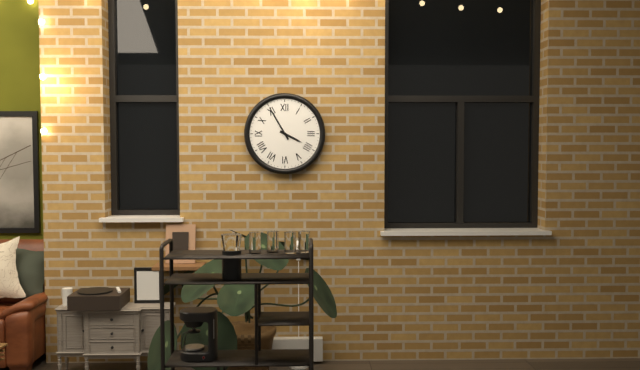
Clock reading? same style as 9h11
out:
3h55
